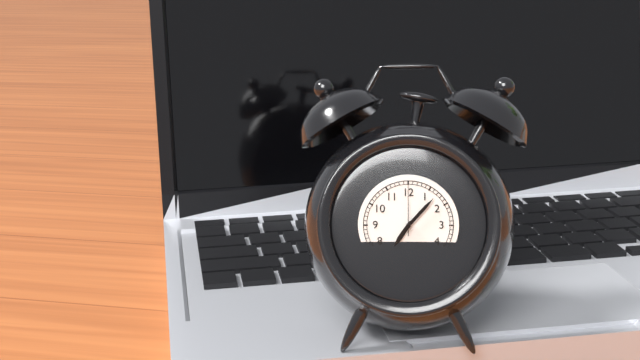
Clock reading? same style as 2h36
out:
7h07
